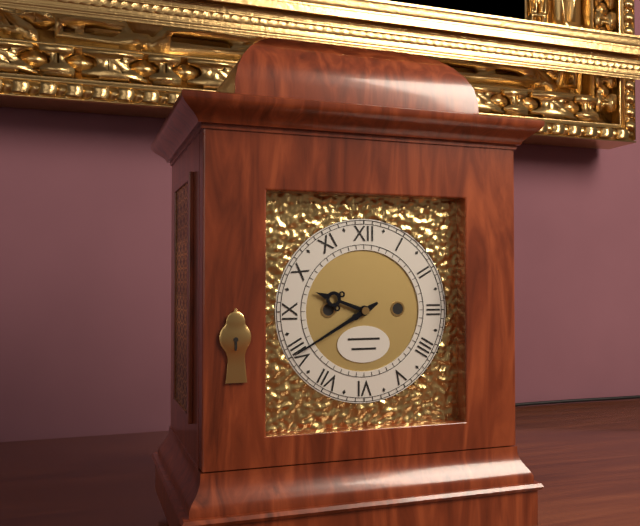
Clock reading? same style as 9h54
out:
9h40
